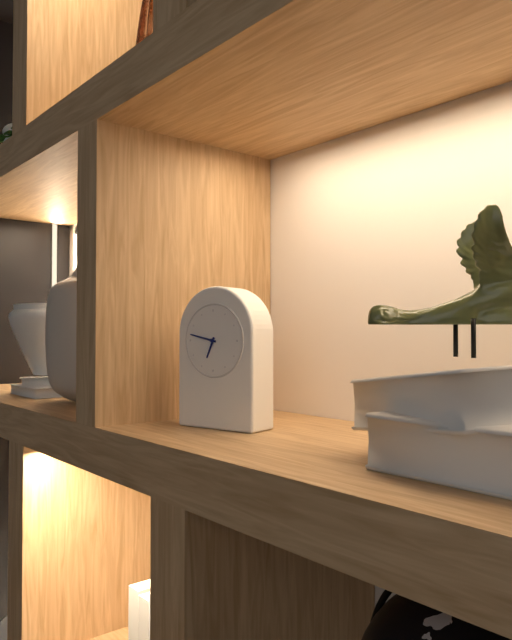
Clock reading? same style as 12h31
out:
6h47
